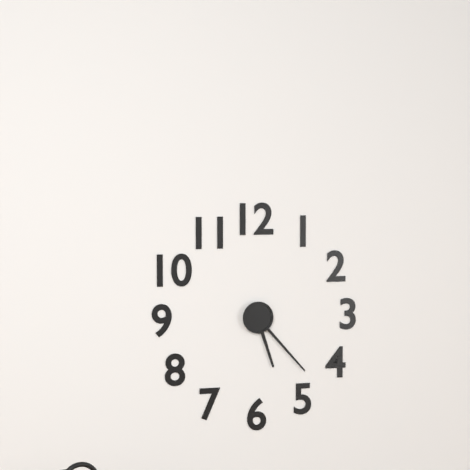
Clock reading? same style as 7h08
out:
5h23
